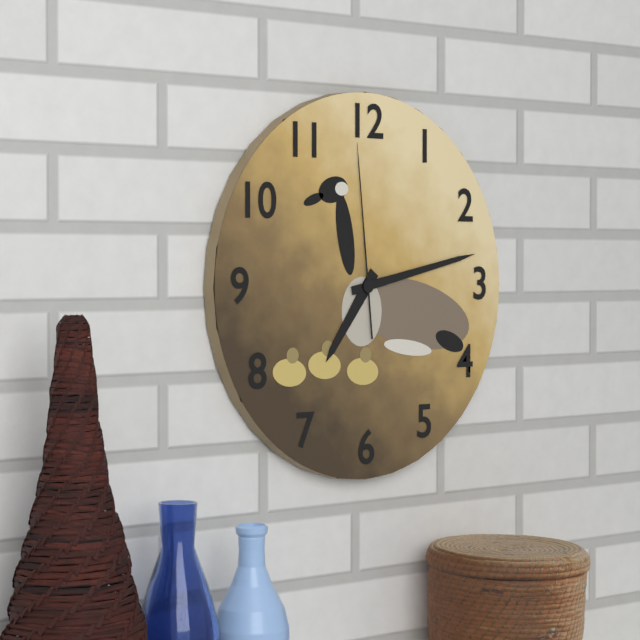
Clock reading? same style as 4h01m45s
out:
7h13m59s
